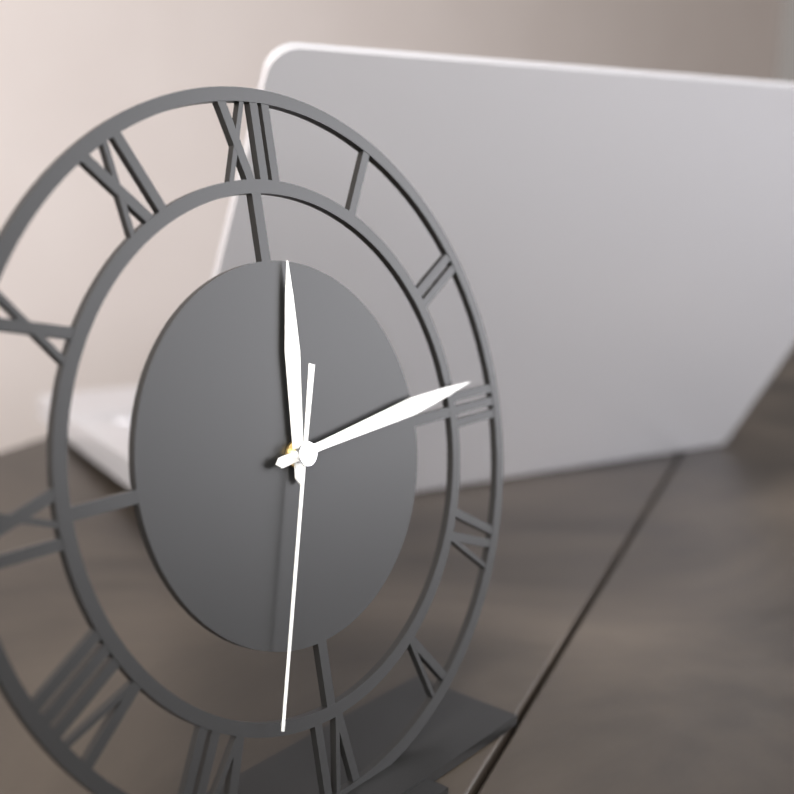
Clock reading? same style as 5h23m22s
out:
12h14m33s
